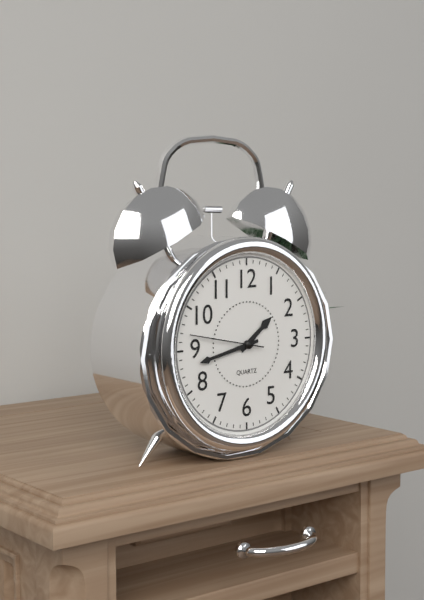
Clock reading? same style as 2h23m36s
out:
1h43m47s
